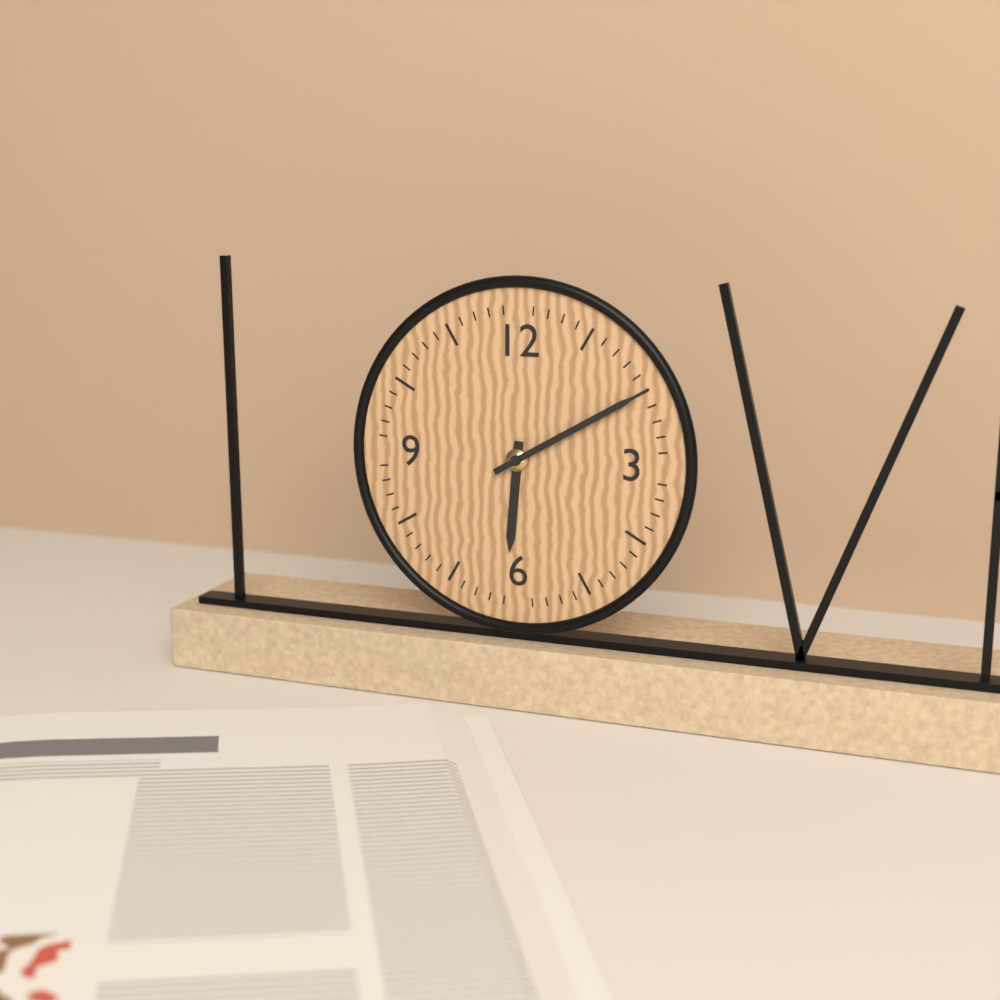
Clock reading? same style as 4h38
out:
6h10
